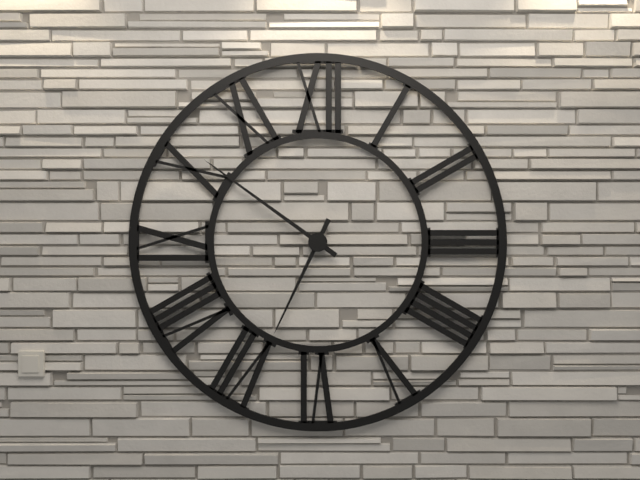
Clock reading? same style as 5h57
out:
6h51
